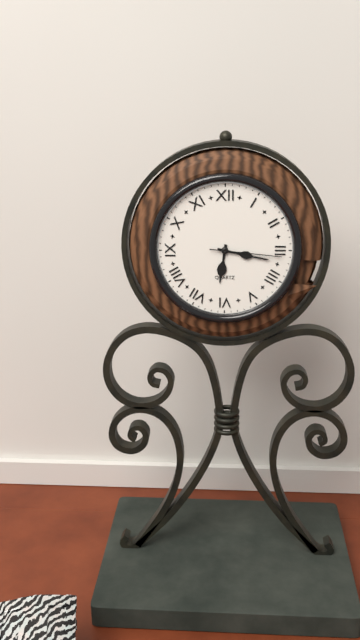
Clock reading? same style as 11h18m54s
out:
6h17m16s
